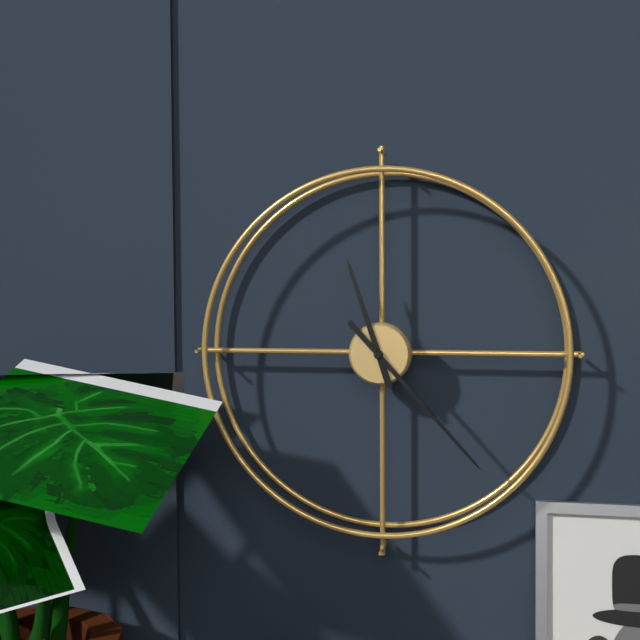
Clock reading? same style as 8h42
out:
11h23
